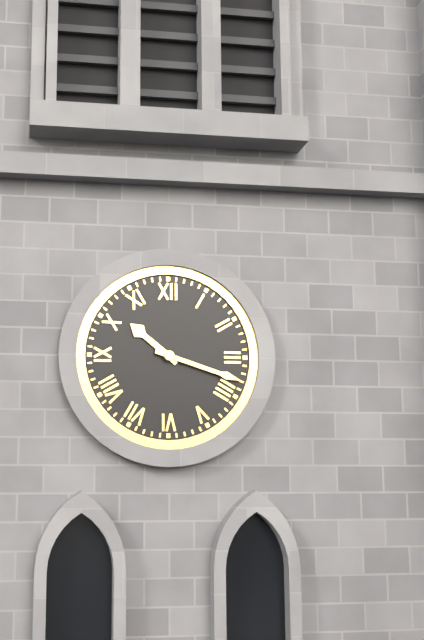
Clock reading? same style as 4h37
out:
10h18
